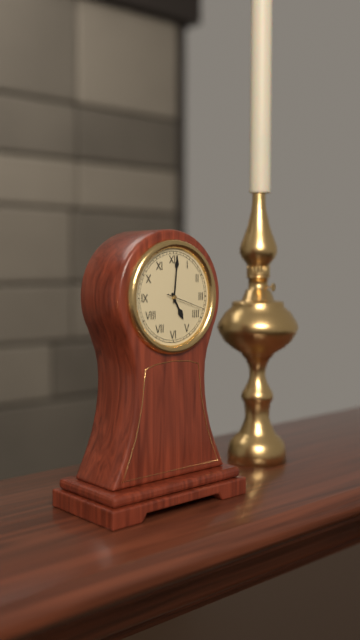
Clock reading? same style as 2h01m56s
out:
5h01m18s
